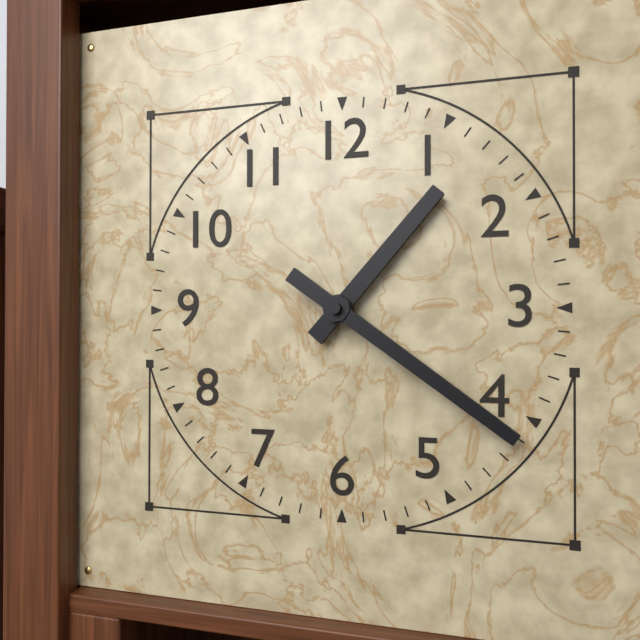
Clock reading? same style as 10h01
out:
1h21
